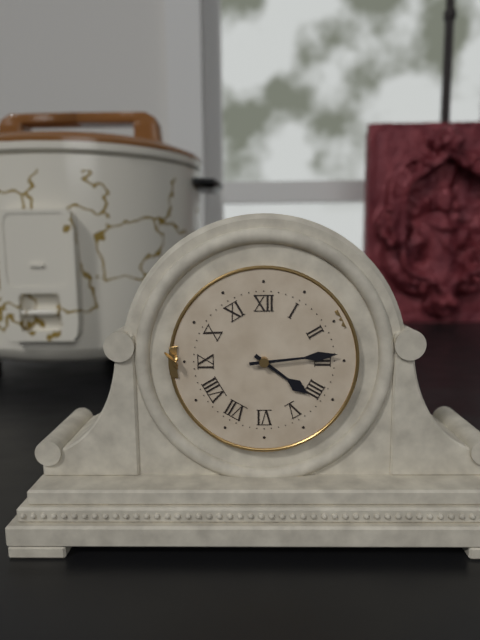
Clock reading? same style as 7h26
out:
4h14
